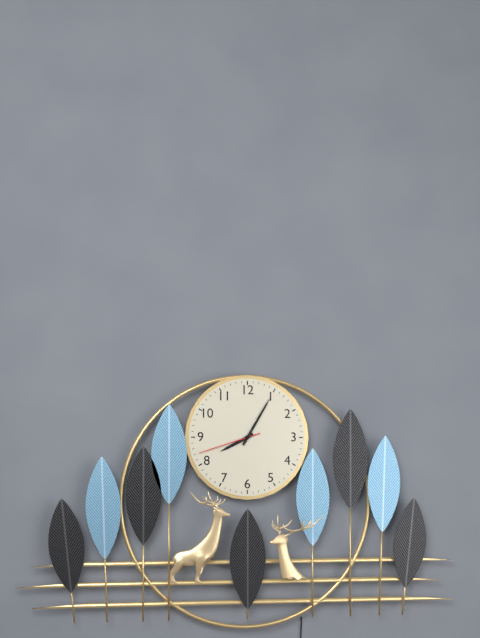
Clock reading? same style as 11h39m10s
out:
8h05m42s
